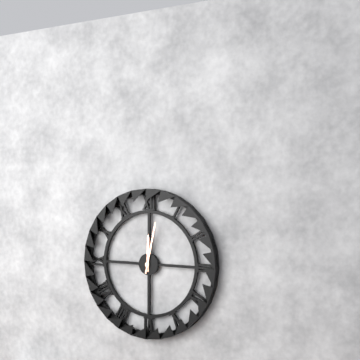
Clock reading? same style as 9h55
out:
12h02
